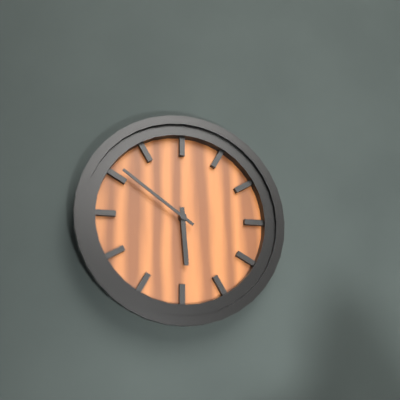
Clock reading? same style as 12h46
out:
5h51
